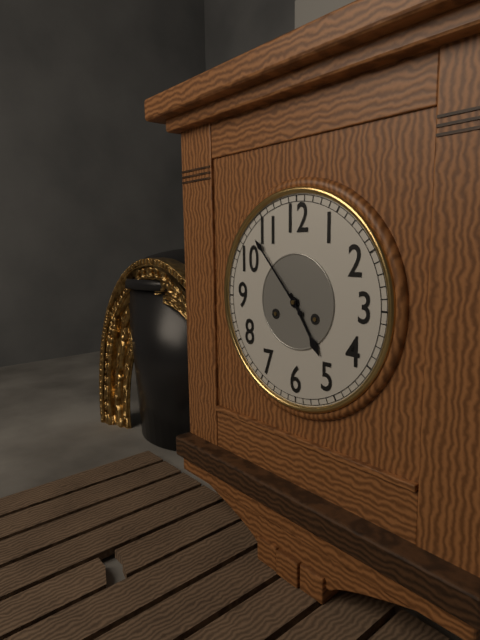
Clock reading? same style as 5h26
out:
4h53
